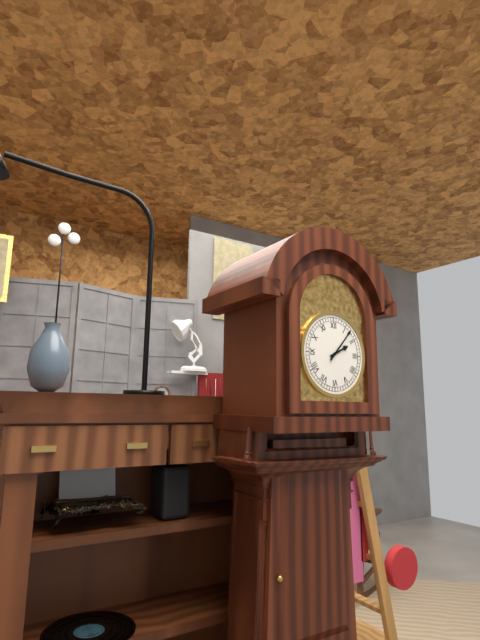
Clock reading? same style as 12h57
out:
2h07
